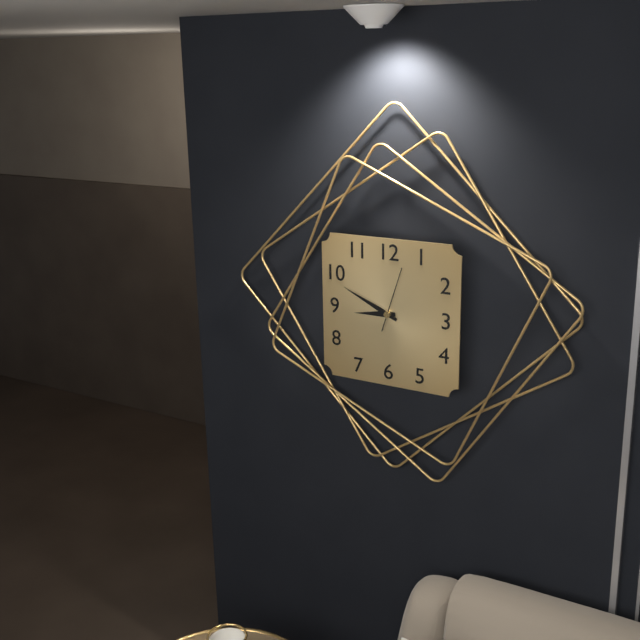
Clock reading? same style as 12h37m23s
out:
8h49m03s
